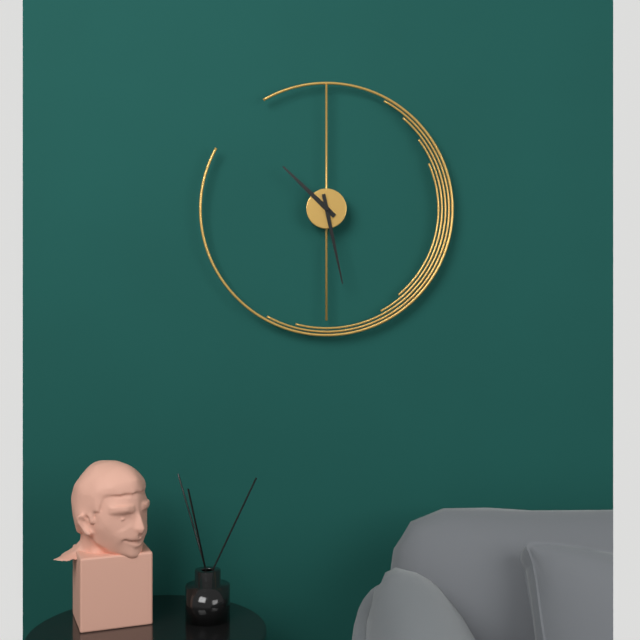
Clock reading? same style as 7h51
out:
10h28
